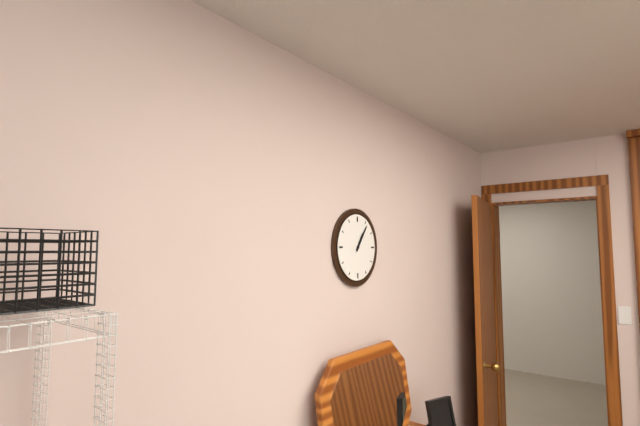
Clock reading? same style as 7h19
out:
1h06
